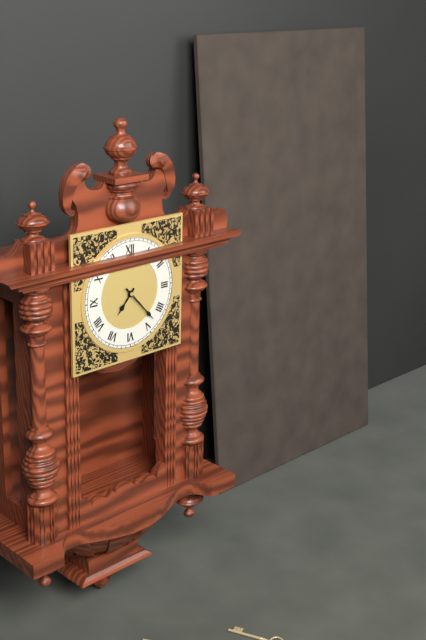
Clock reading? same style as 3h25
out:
7h23
